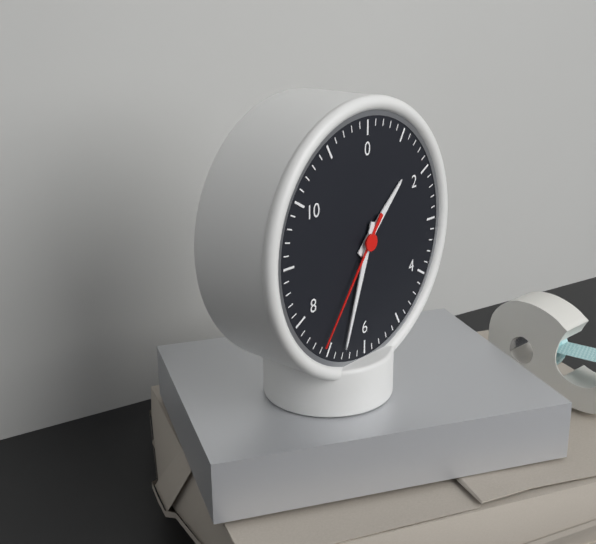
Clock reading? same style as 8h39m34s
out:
1h33m36s
